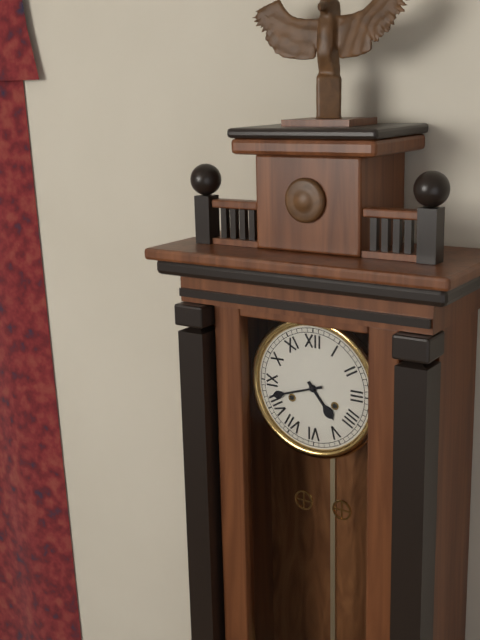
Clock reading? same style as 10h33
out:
4h42
